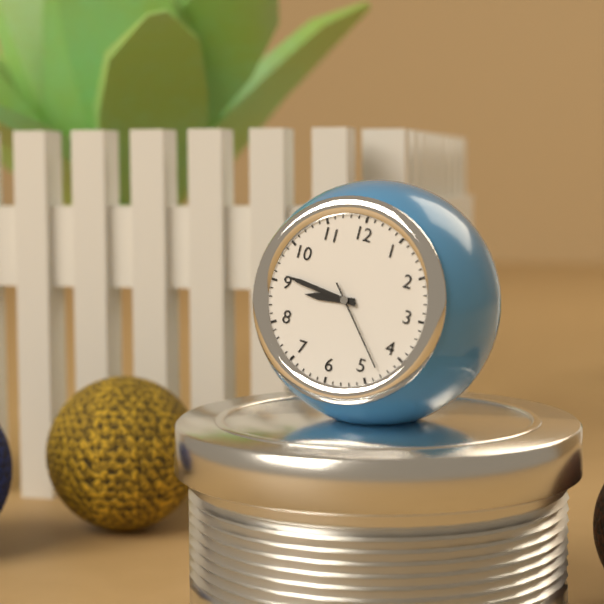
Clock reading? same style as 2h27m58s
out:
8h46m23s
